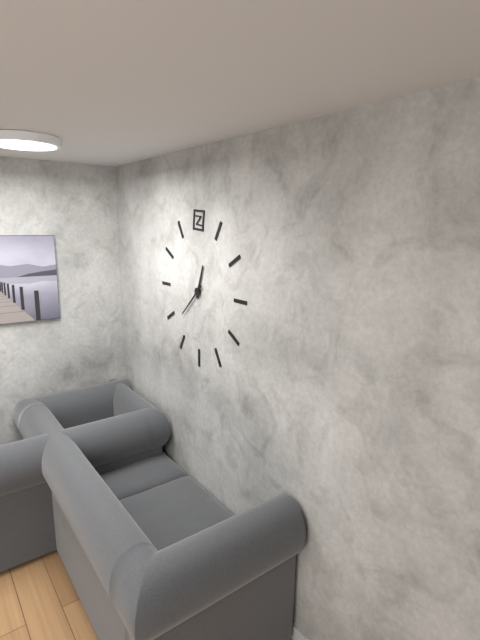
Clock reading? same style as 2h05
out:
12h38
